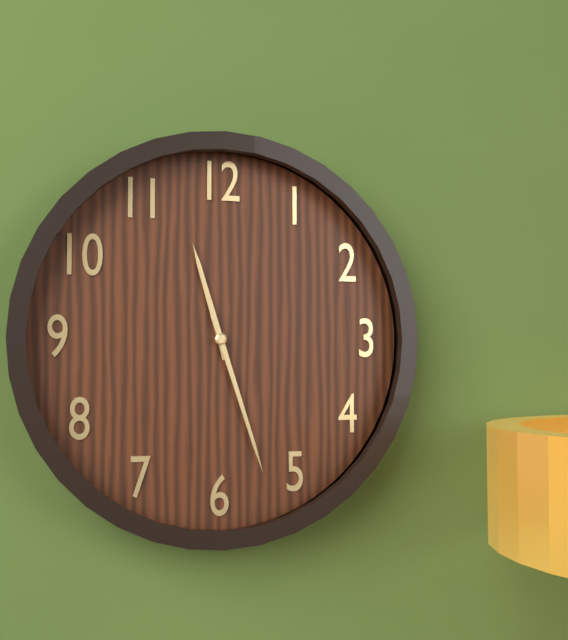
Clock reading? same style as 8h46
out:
11h27
